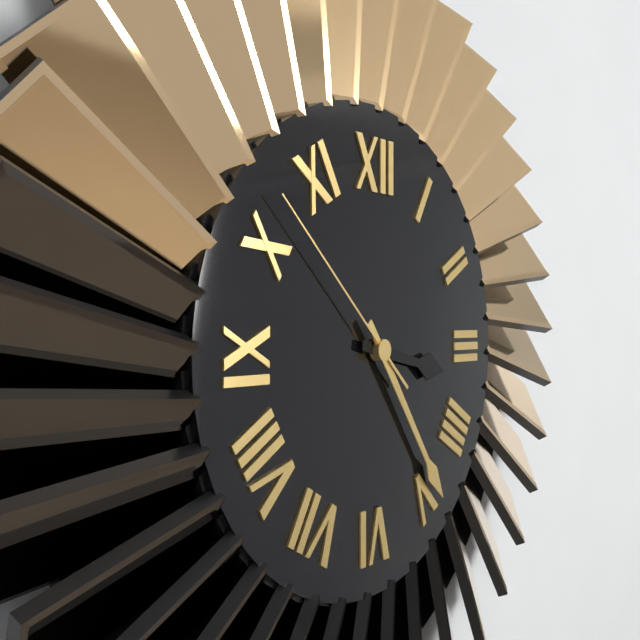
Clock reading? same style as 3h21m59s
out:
3h24m52s
